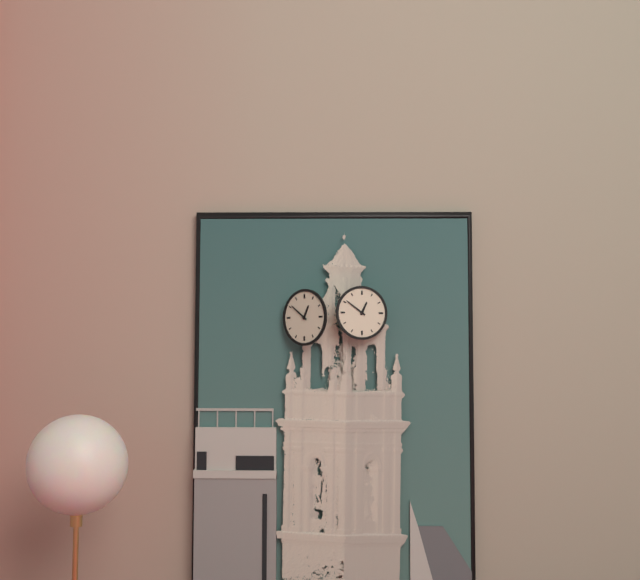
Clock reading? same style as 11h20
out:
12h51
